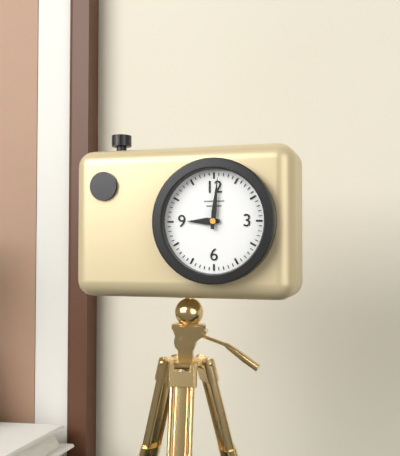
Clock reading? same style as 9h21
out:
9h01
